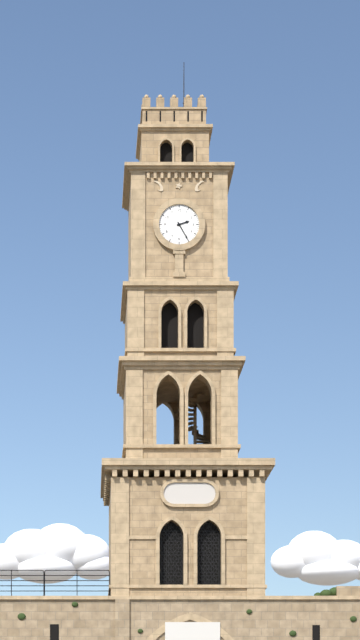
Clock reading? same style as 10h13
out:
2h25
